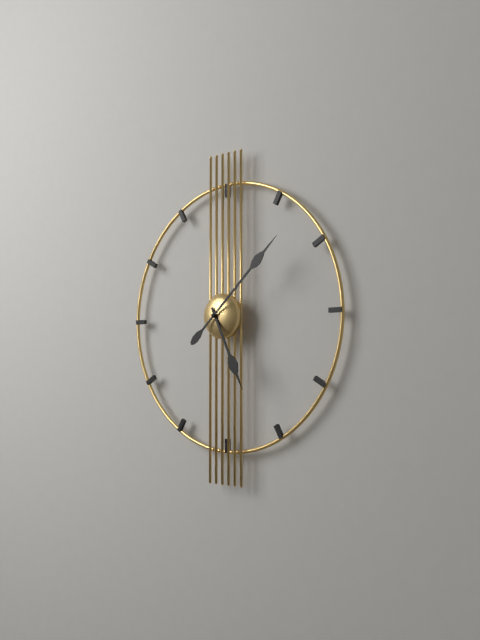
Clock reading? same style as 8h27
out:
5h08
